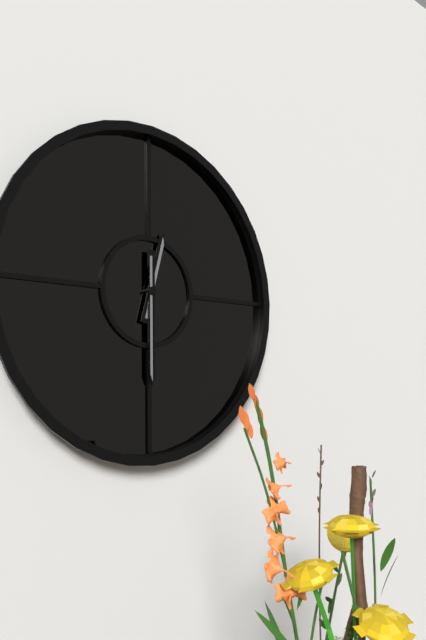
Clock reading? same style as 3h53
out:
12h30
